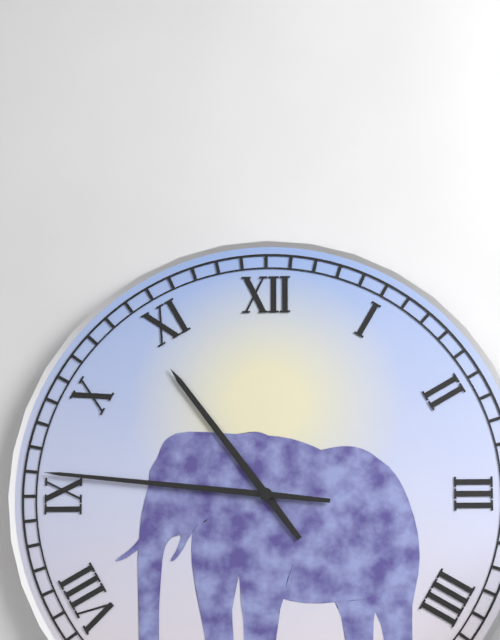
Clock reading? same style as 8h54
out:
10h46
